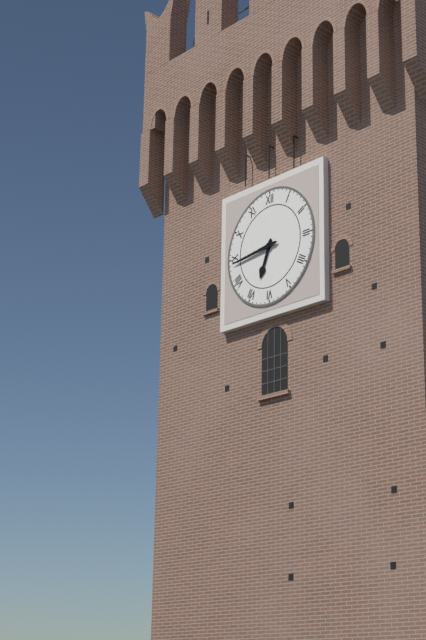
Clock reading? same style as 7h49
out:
6h44
